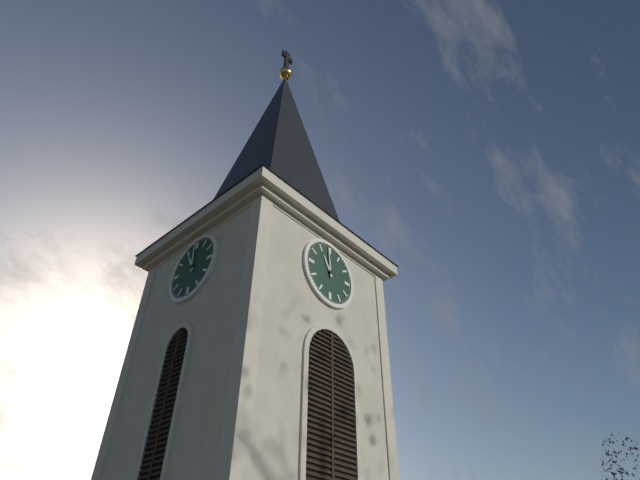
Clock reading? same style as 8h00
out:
10h59
